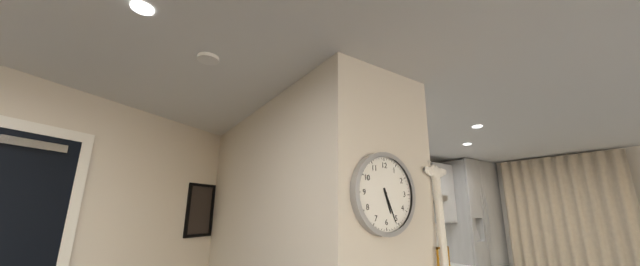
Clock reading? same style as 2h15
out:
5h26
